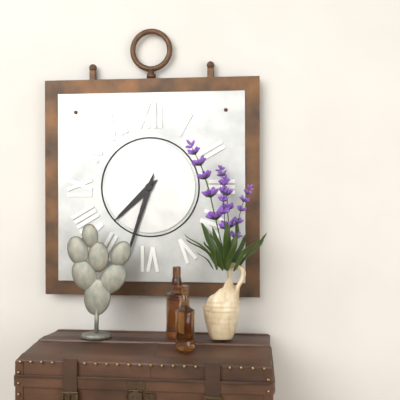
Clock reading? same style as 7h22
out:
7h33
